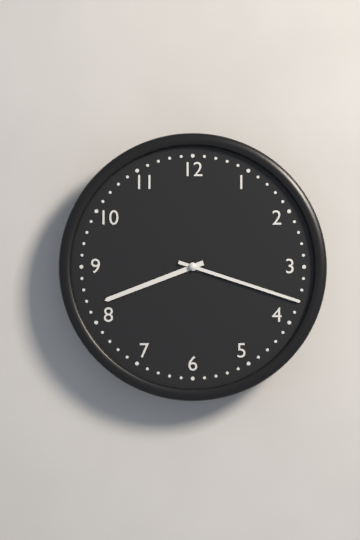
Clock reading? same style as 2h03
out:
8h18
